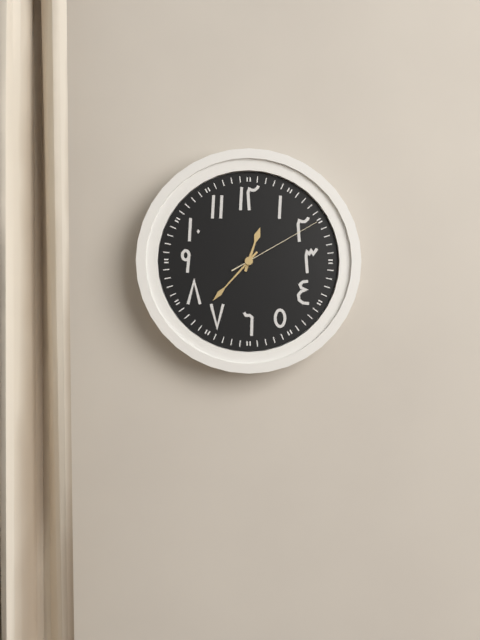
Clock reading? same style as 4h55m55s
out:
12h37m10s
